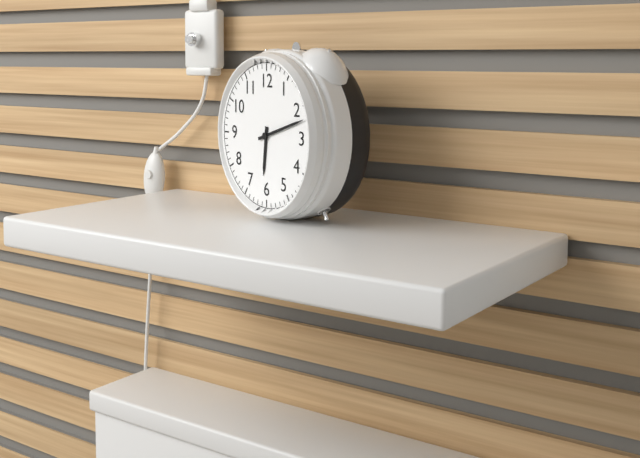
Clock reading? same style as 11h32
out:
6h12
